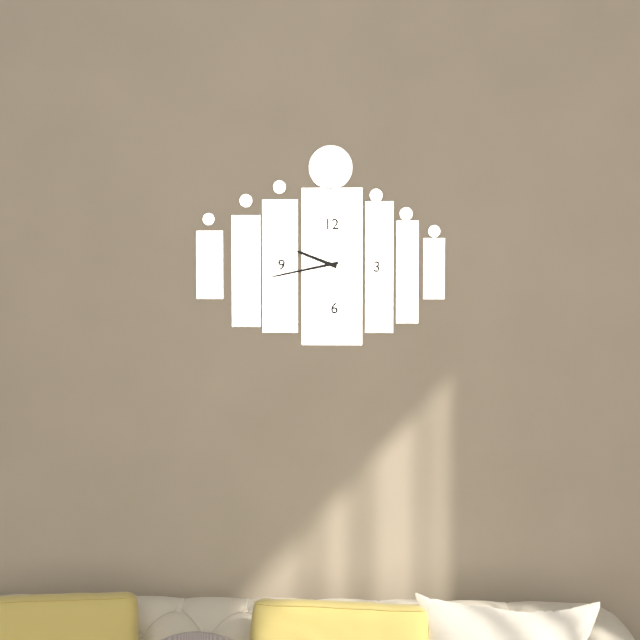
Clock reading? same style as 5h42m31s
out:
9h43m55s
